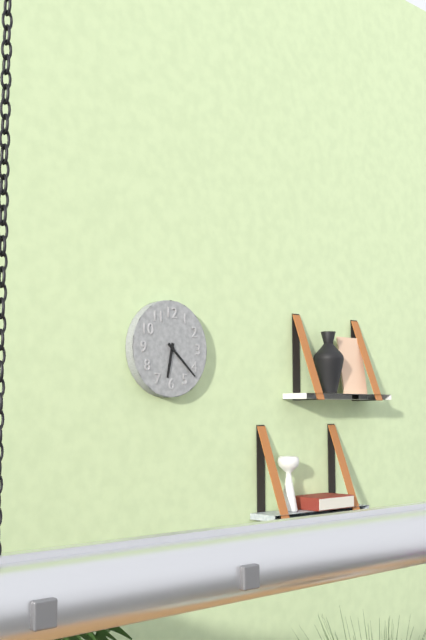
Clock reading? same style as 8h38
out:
6h22
